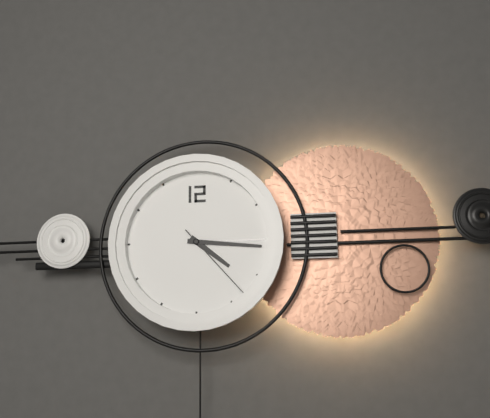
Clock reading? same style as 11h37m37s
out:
4h16m23s
